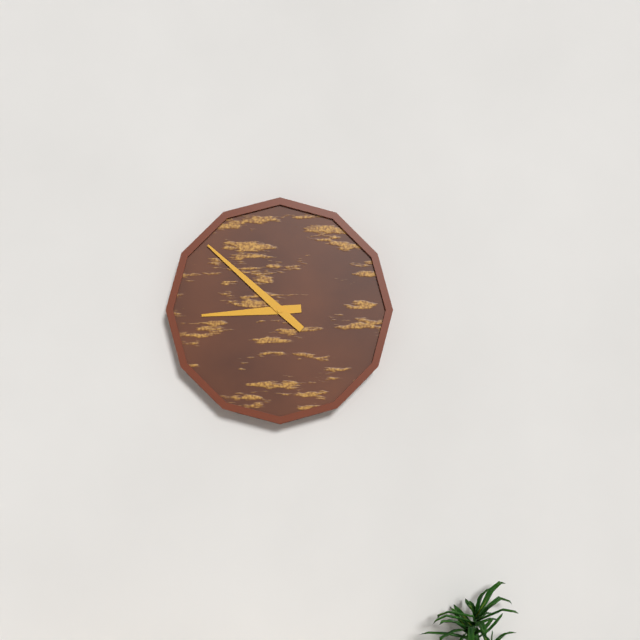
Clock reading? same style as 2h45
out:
8h52
